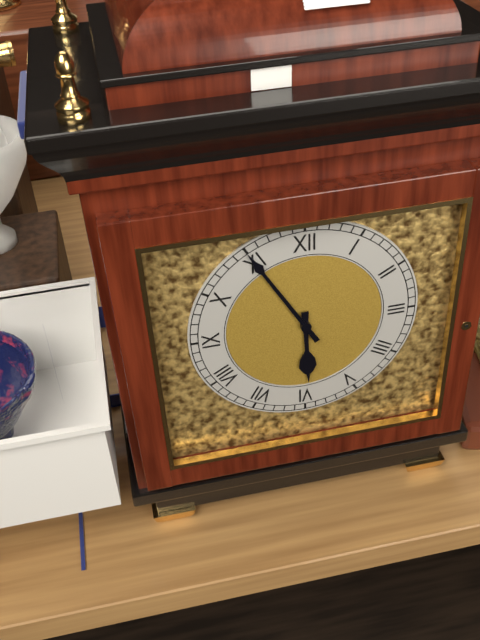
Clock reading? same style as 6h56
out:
5h55
